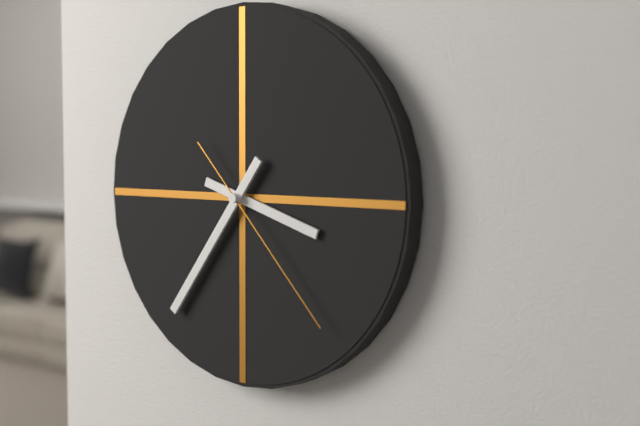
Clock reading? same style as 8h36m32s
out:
3h36m23s
